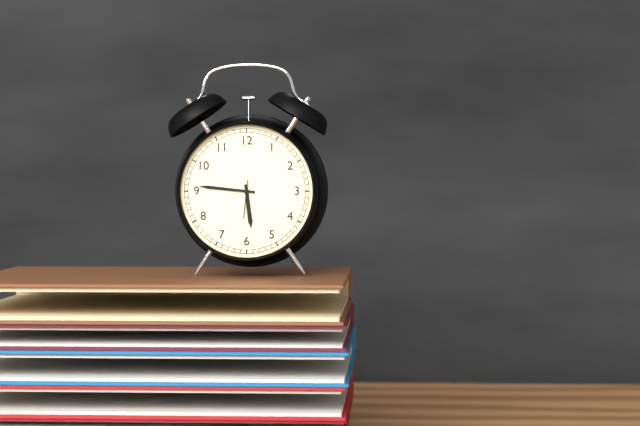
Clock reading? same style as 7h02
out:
5h46
